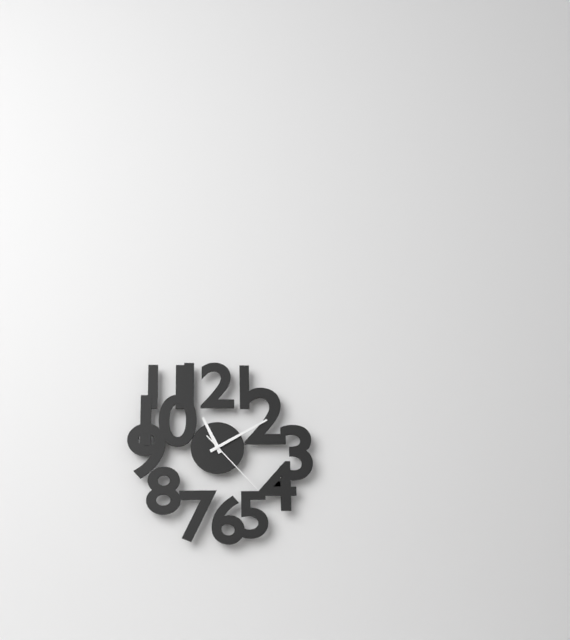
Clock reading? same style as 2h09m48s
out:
11h10m23s
